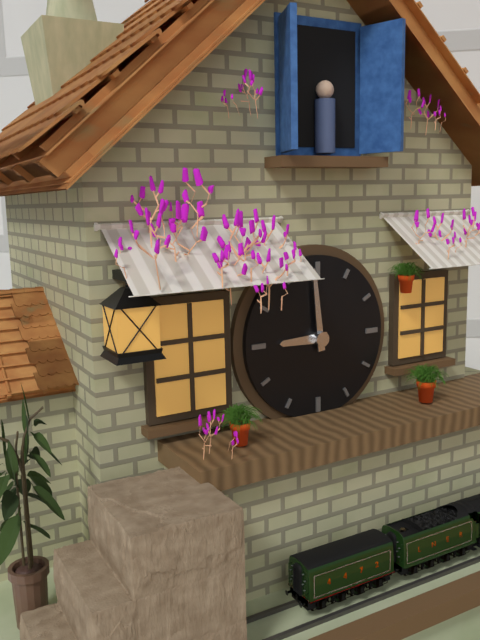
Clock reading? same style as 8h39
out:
8h59
